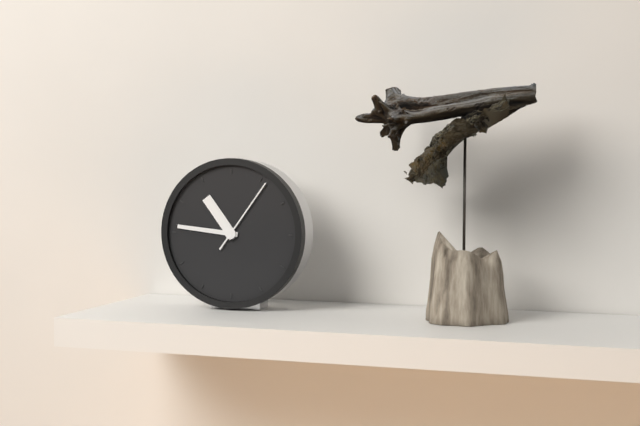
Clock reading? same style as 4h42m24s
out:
10h46m06s
